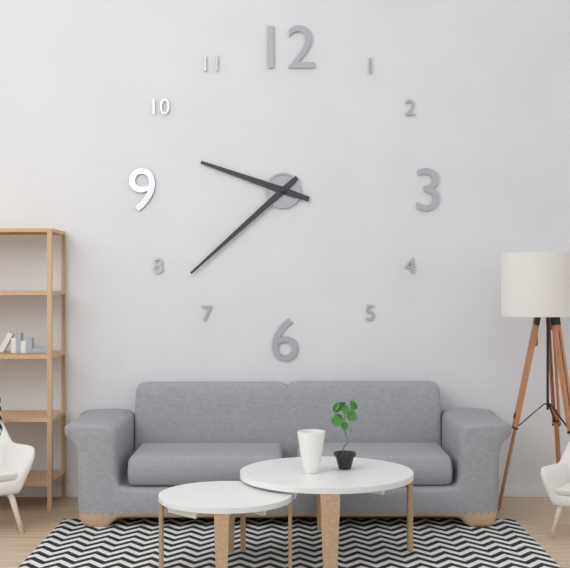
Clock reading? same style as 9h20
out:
9h38
